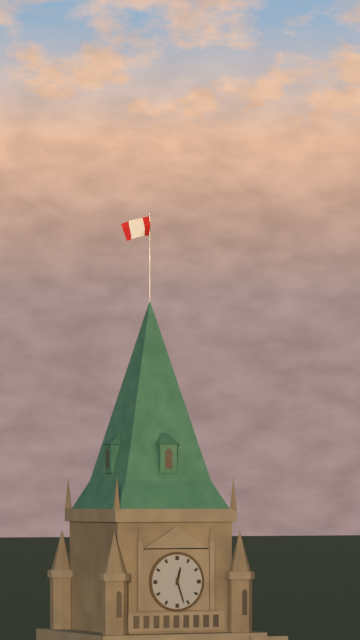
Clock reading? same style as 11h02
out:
12h27
